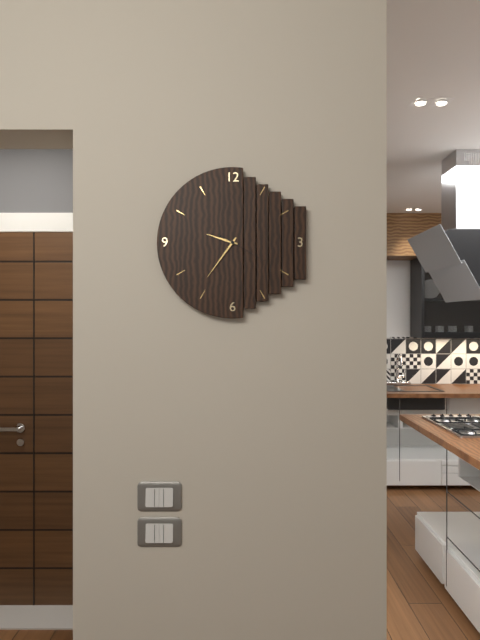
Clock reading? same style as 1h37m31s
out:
9h36m20s
